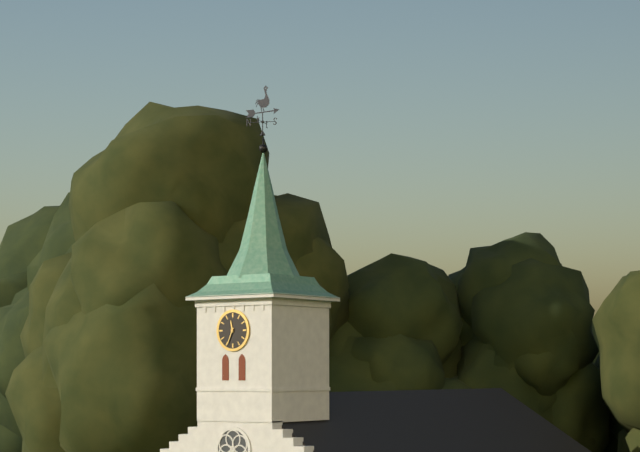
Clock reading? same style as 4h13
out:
11h34
